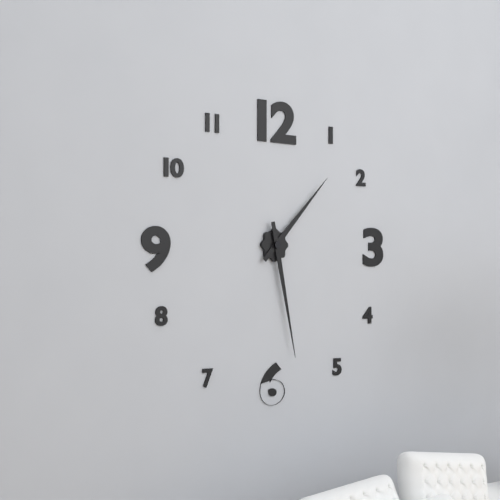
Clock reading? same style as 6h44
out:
1h28
